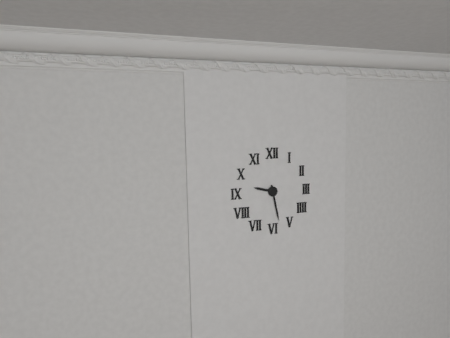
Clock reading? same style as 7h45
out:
9h28
